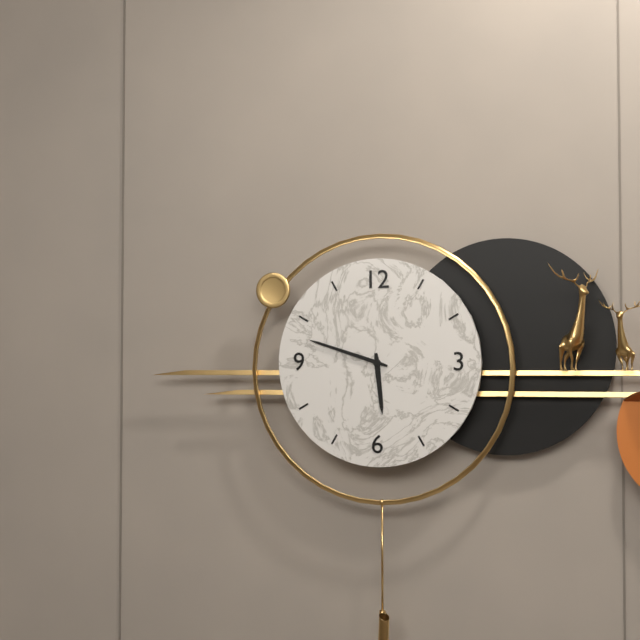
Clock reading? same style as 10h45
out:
5h48
